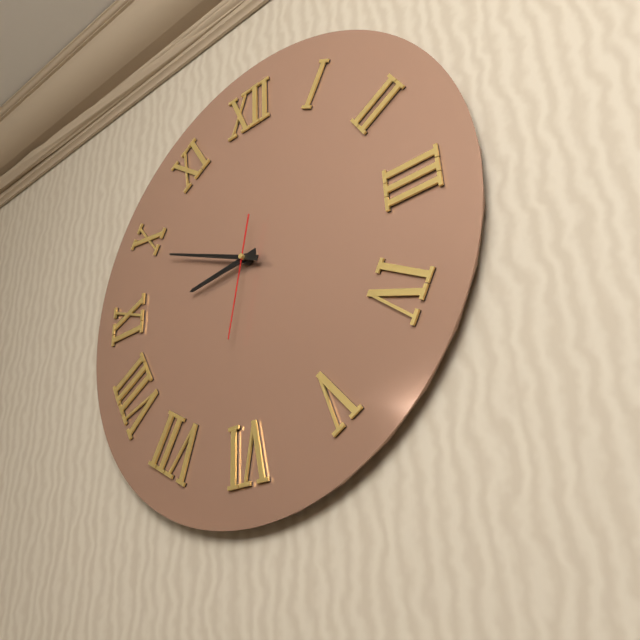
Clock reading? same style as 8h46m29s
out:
8h49m32s
